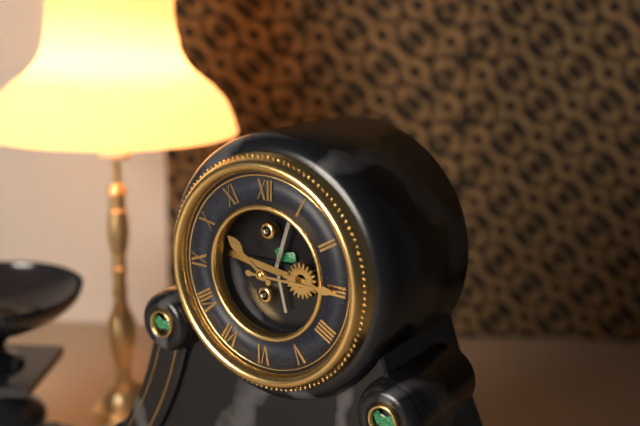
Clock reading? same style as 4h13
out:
10h15
